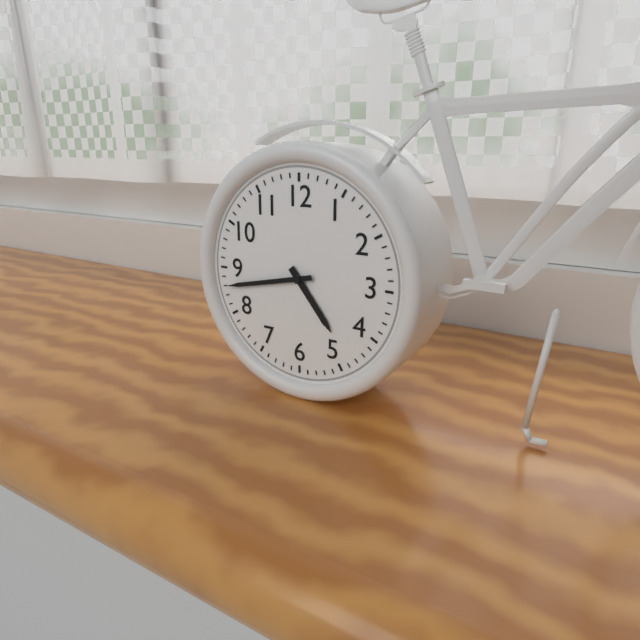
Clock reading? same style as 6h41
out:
4h43
